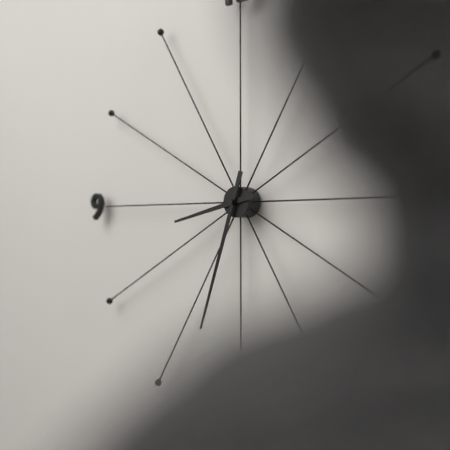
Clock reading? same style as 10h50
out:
8h33
